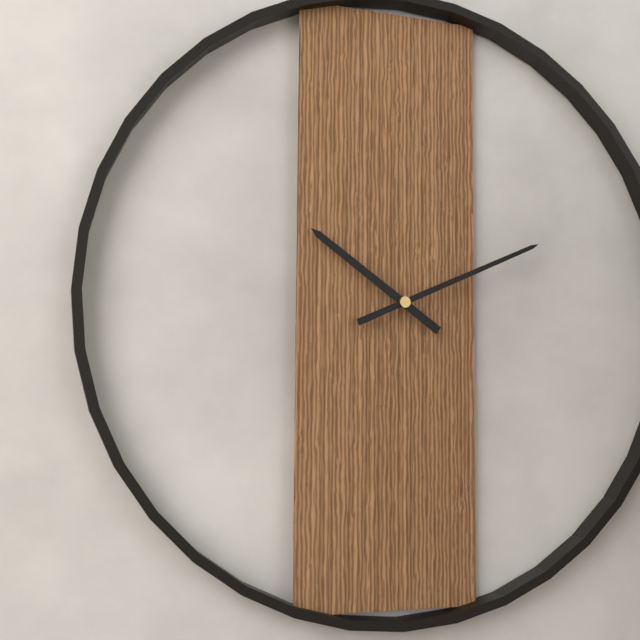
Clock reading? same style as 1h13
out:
10h11
